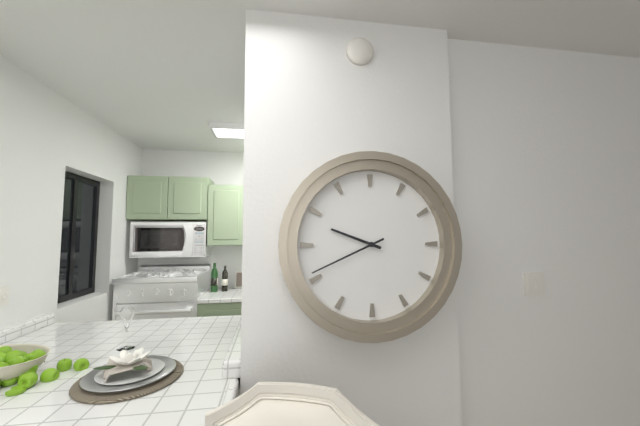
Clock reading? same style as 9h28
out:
9h41
